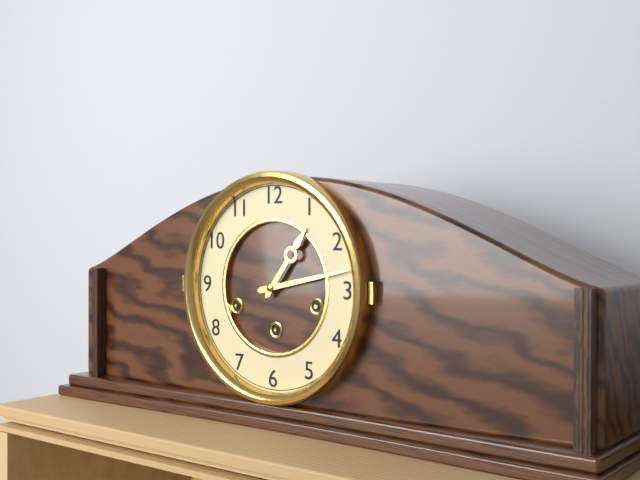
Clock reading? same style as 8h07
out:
1h13
